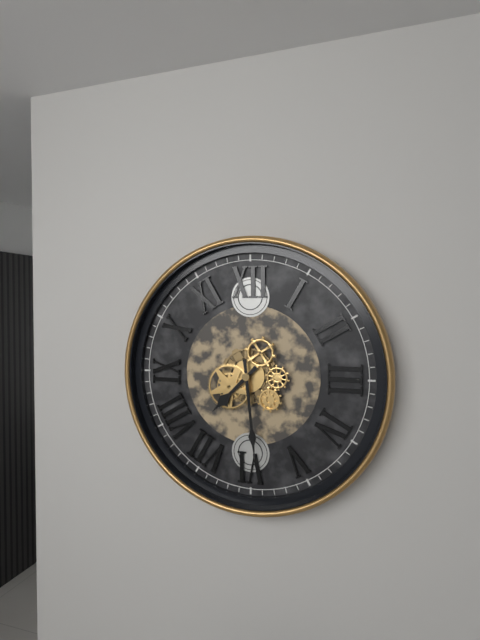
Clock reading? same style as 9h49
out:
7h29
